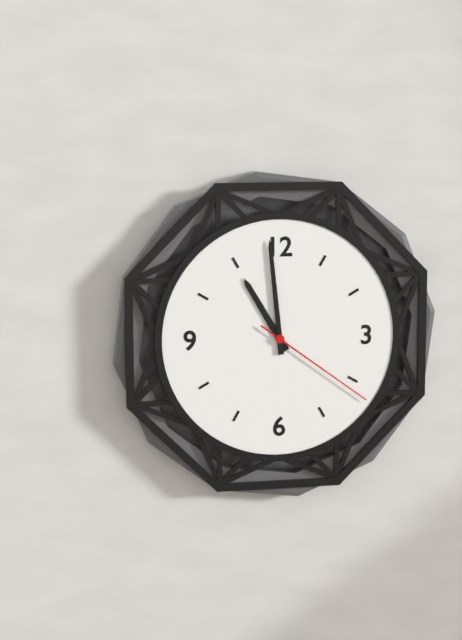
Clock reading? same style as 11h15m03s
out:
10h59m21s
